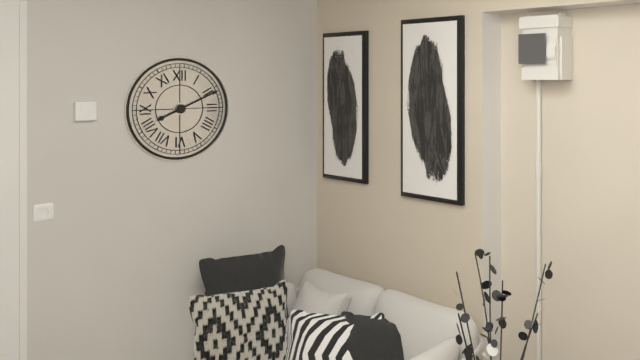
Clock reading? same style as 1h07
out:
8h11
